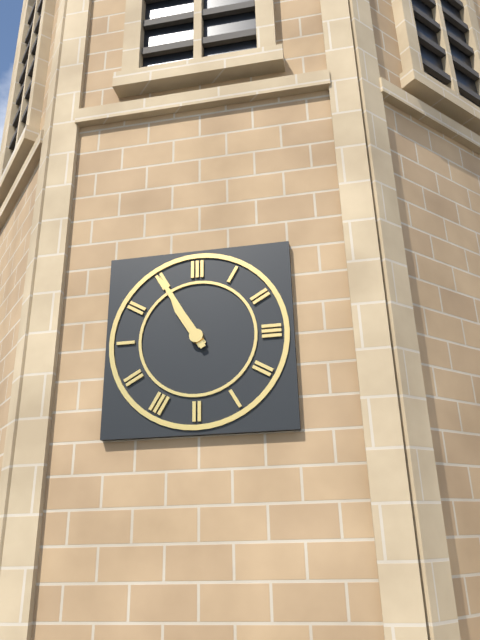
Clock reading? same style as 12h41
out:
10h55
